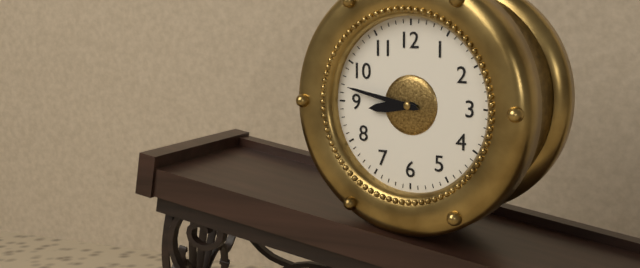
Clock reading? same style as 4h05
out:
8h47
